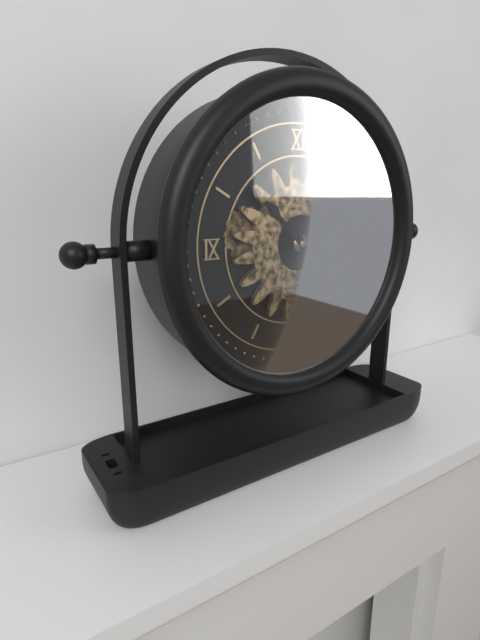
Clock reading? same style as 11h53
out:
10h27
